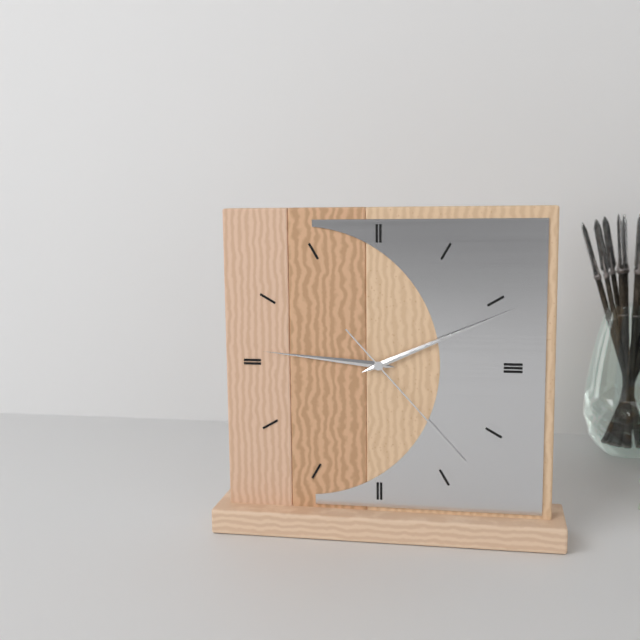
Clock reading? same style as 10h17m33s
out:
9h11m23s
